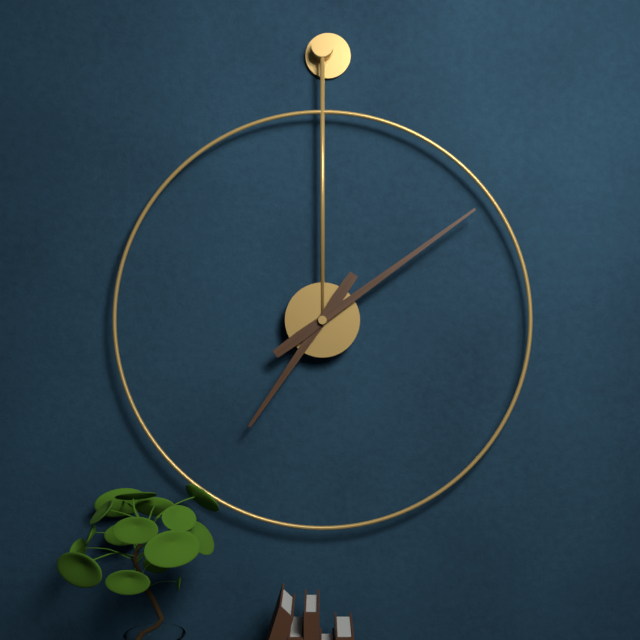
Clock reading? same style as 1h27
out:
7h09
